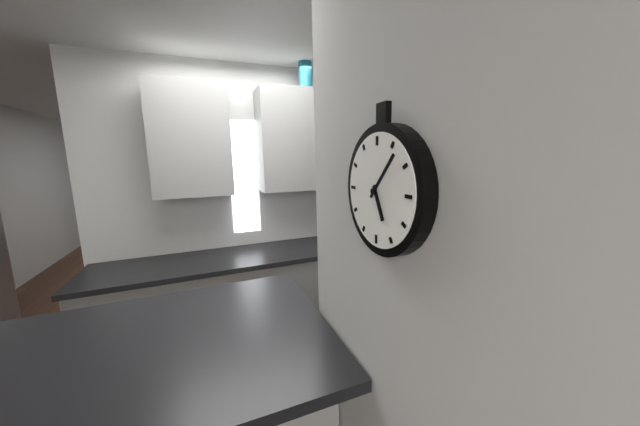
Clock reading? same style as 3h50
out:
5h07
